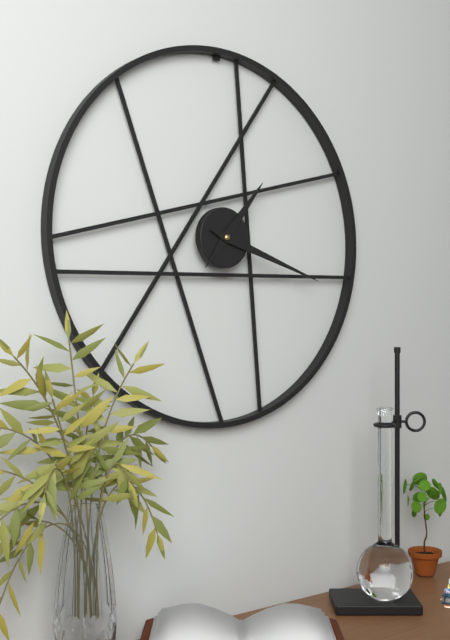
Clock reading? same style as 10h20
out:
1h18
